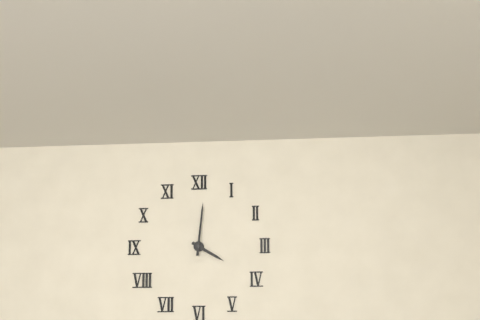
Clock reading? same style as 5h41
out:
4h01
